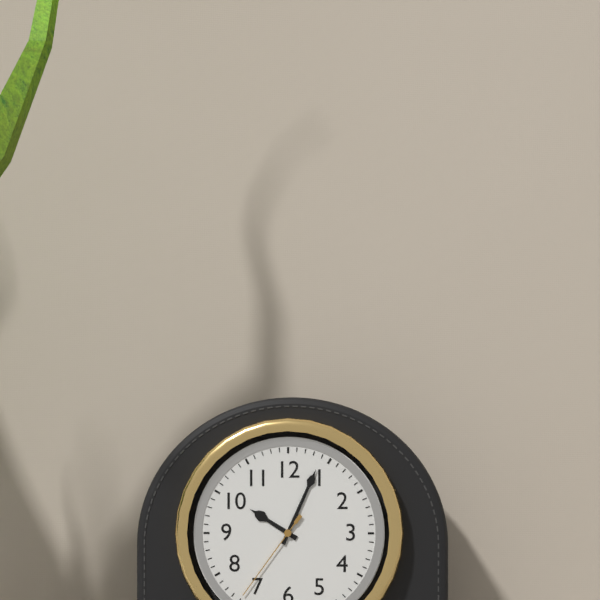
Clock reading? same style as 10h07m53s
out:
10h04m36s
